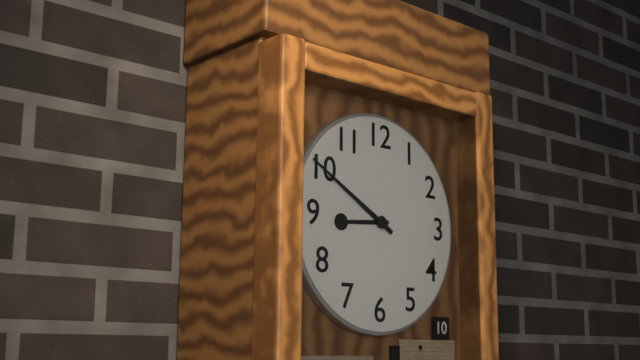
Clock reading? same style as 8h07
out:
8h50
